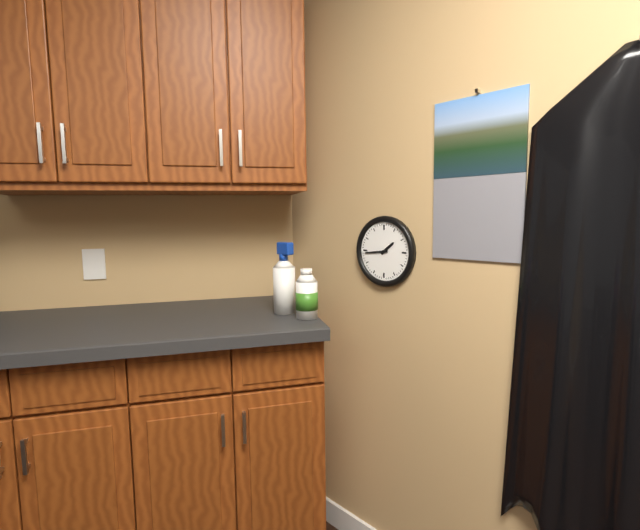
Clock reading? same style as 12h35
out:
1h44
